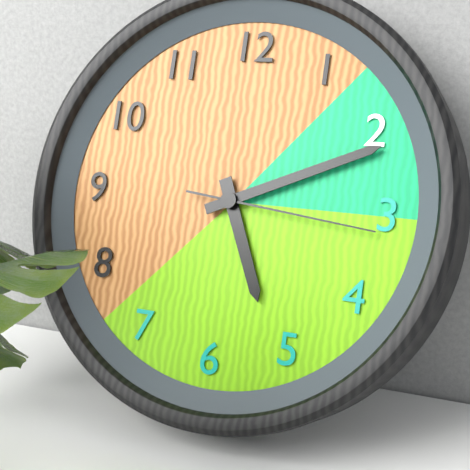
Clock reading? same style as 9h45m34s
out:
5h11m16s
